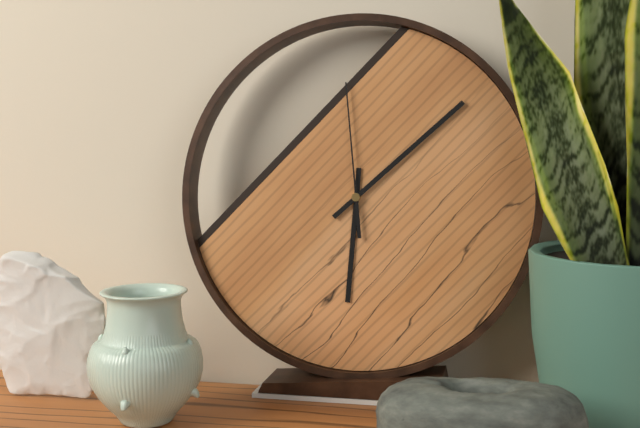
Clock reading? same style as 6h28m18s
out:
6h08m59s
